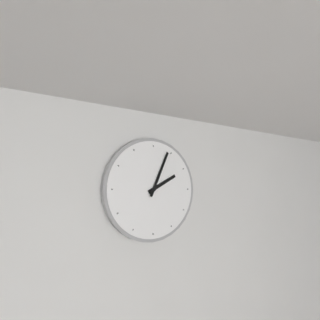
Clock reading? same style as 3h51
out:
2h04
